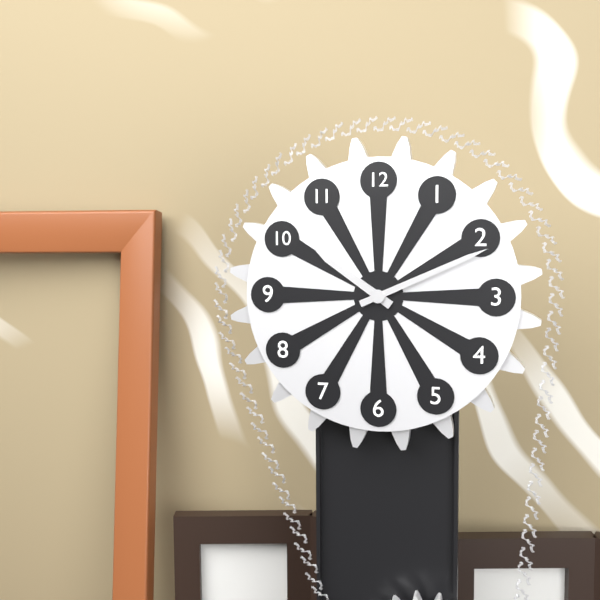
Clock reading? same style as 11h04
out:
10h11
